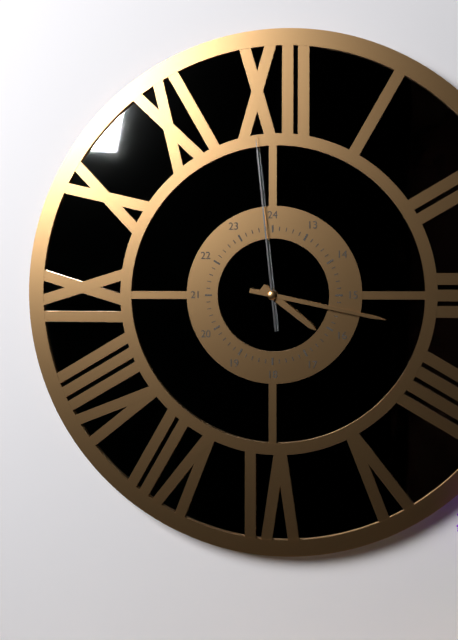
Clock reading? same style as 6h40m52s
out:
4h17m59s
